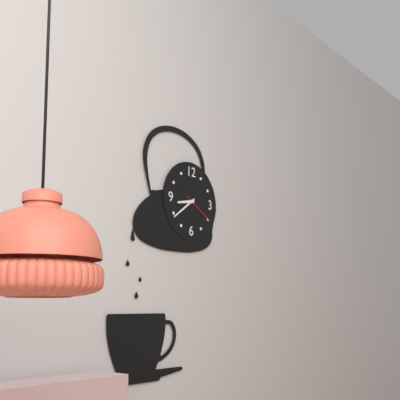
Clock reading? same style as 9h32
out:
8h39
